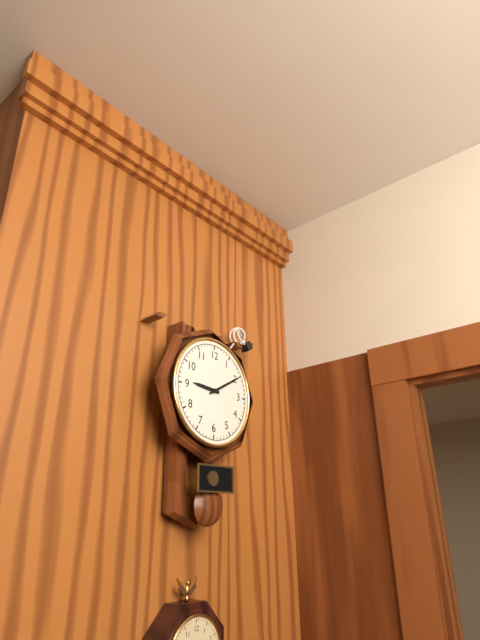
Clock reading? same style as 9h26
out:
9h10
